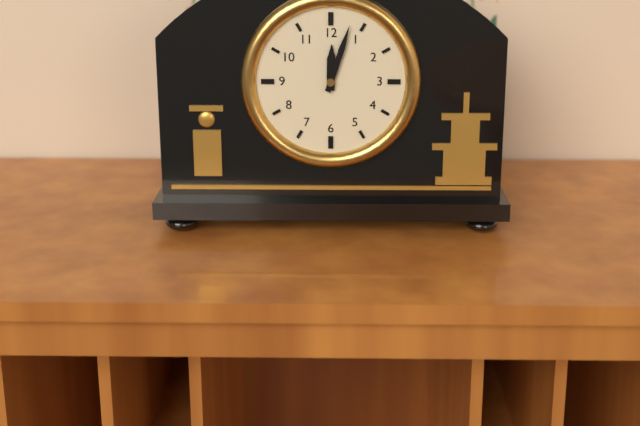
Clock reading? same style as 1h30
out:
12h03
